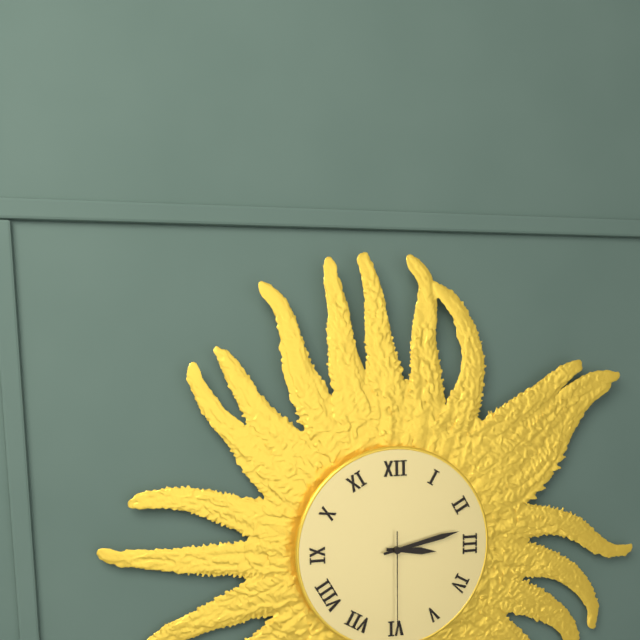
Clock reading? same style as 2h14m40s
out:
3h13m30s
